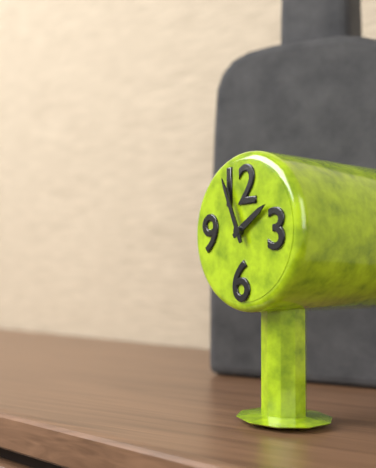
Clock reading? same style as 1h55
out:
1h56
